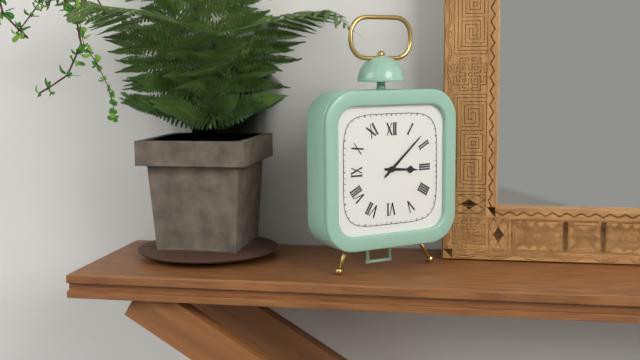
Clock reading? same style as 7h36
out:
3h08
